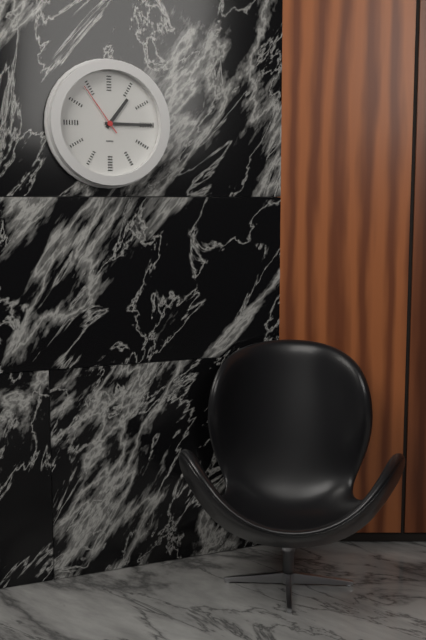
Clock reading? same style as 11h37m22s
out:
1h15m54s
